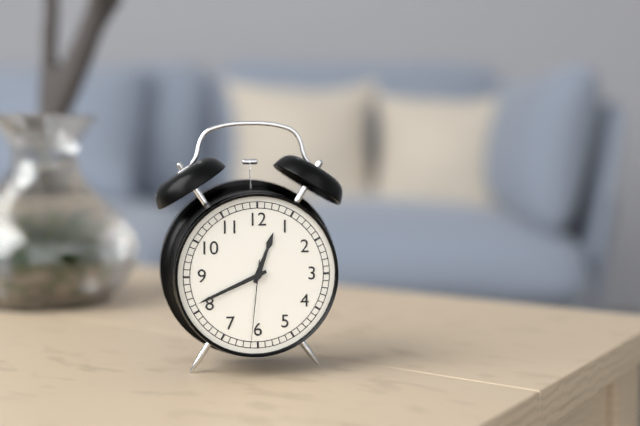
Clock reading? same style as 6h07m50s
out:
12h41m31s
